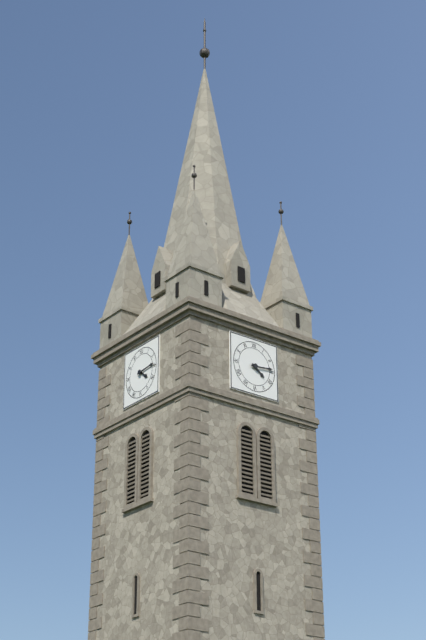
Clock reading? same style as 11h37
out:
4h14
